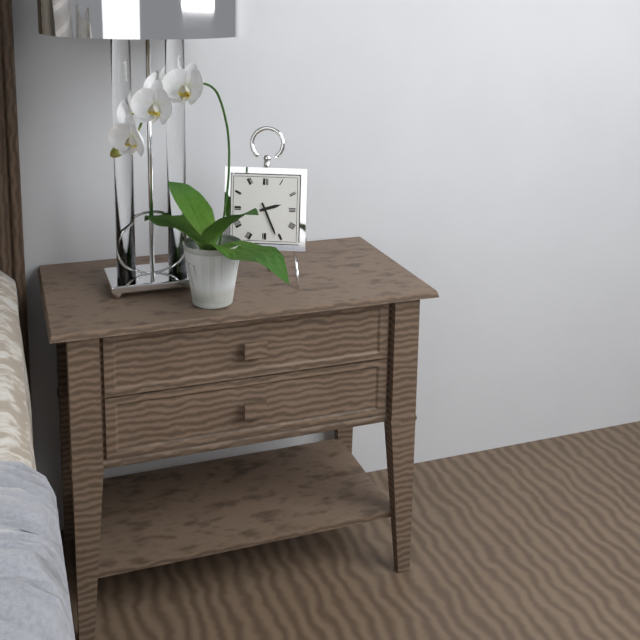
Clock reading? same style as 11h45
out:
2h26
